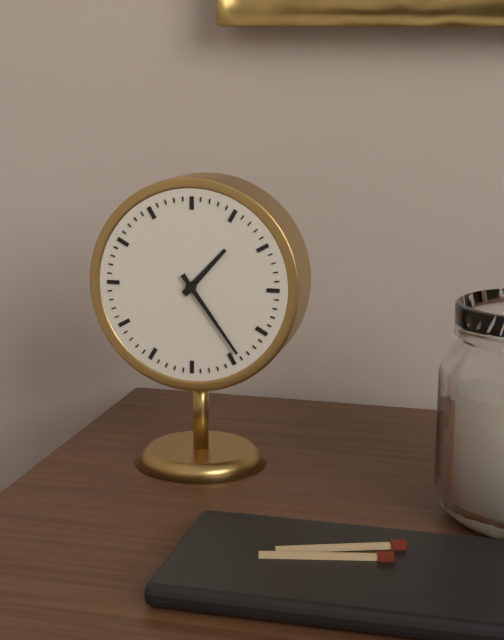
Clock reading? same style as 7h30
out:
1h24
